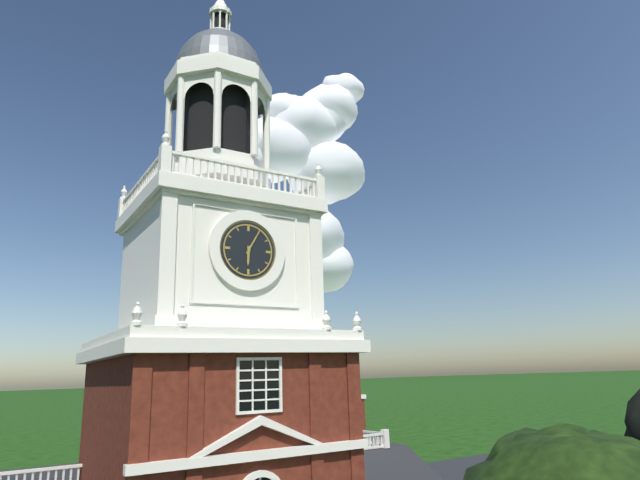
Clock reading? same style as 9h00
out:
6h05
